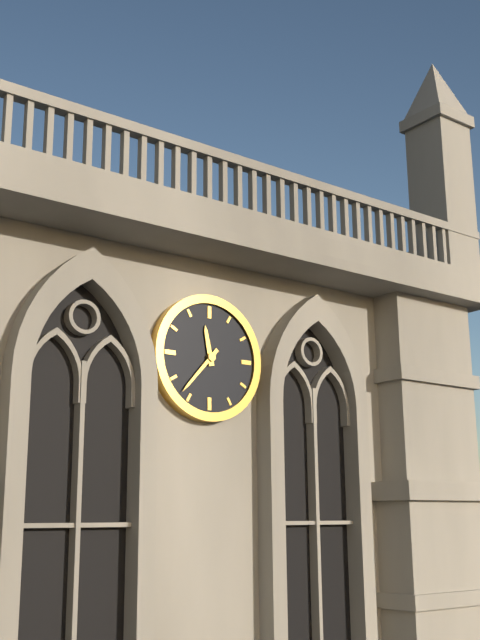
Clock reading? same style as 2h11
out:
11h37
